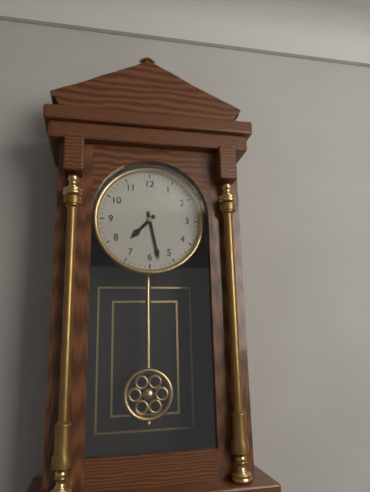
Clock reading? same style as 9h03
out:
7h28
